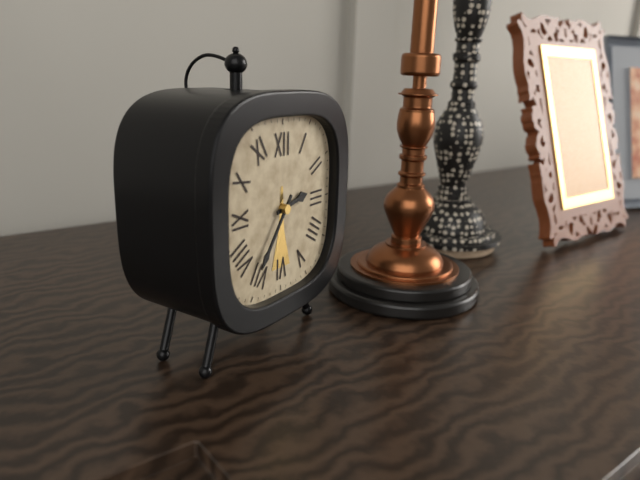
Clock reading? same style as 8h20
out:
2h36
